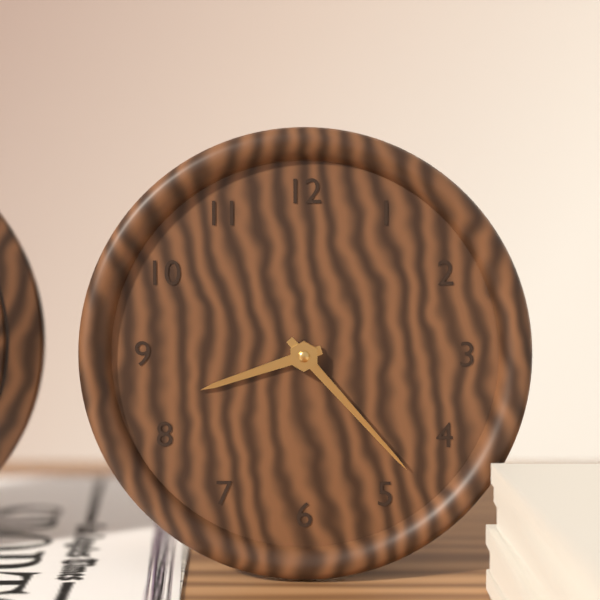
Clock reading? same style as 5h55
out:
8h23
